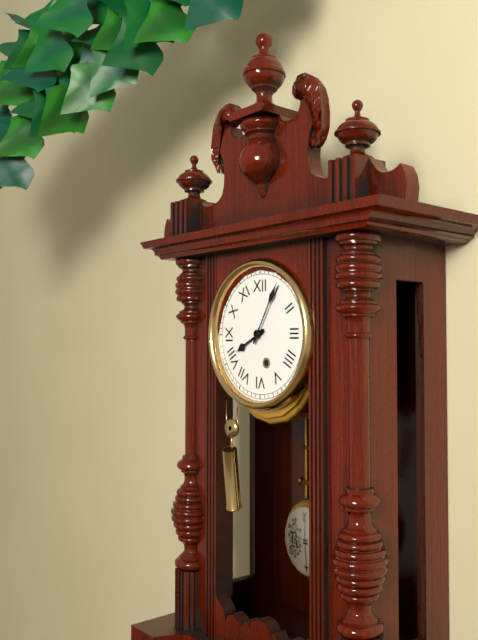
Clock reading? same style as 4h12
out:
8h05
